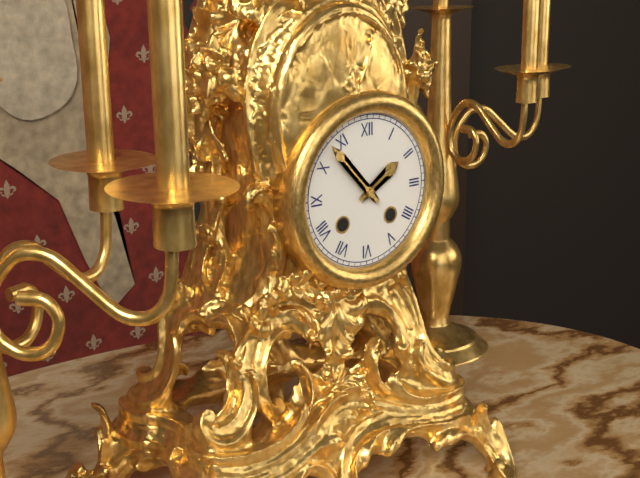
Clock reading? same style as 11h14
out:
1h53
